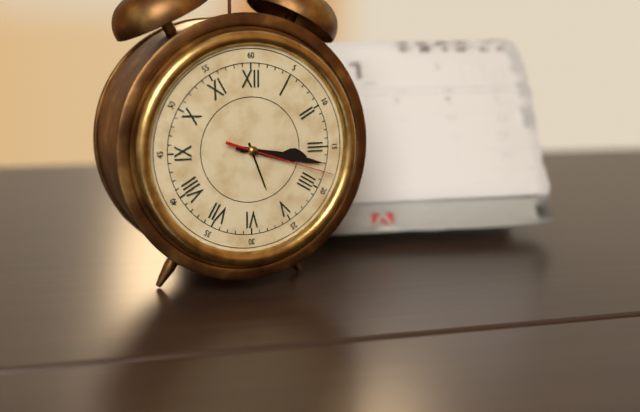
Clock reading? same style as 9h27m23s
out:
3h17m18s
